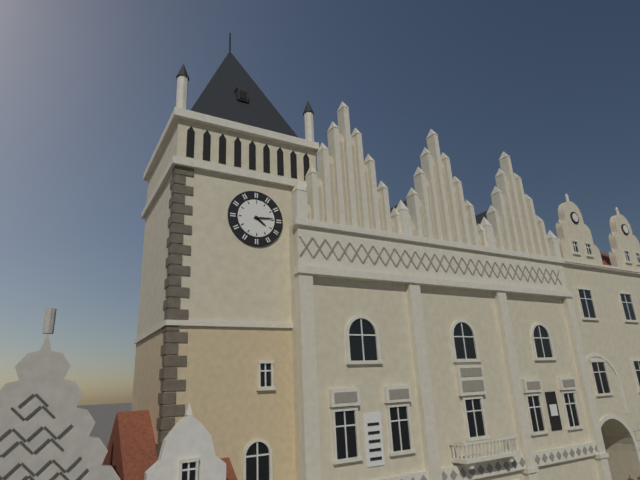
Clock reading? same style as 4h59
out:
4h14
